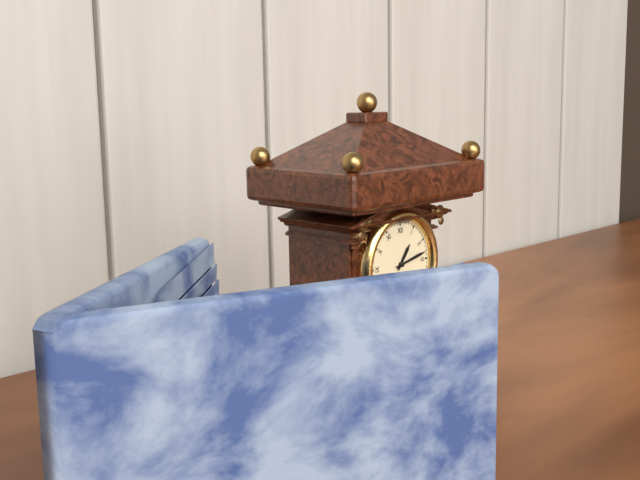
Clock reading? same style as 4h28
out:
1h13
